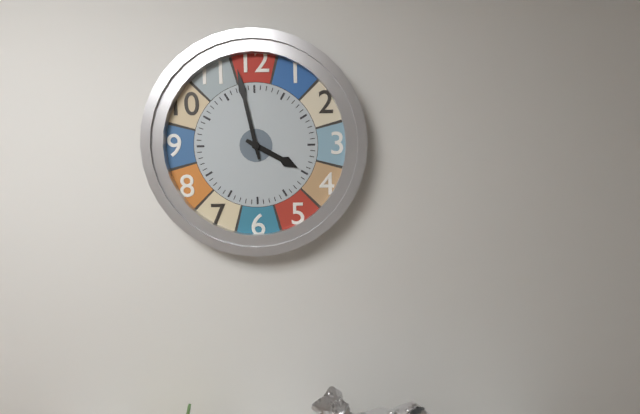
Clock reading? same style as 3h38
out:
3h58
